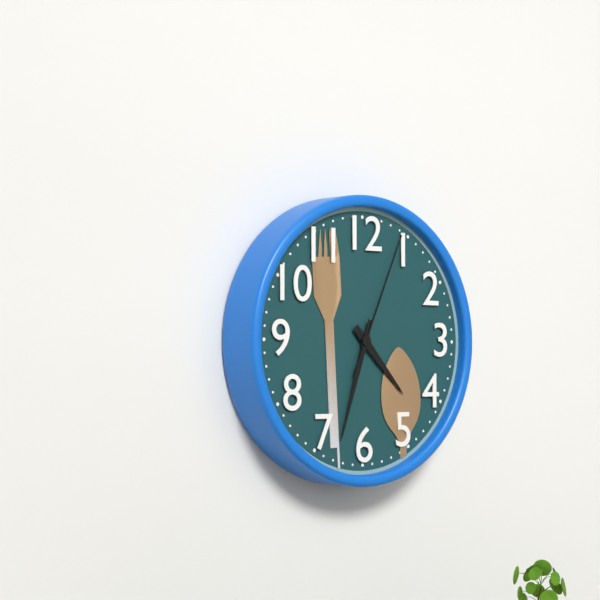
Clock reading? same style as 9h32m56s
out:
4h33m04s
